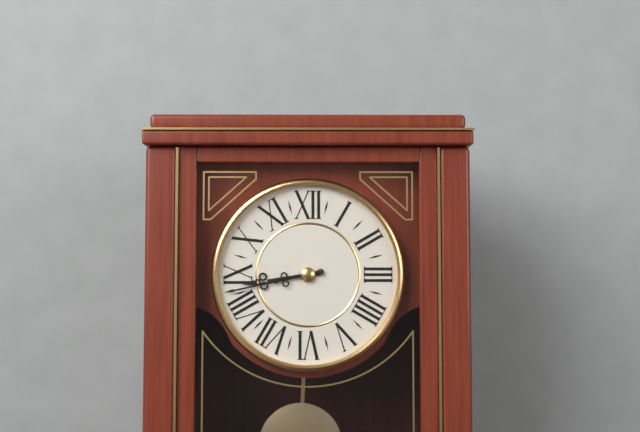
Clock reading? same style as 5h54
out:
8h43
